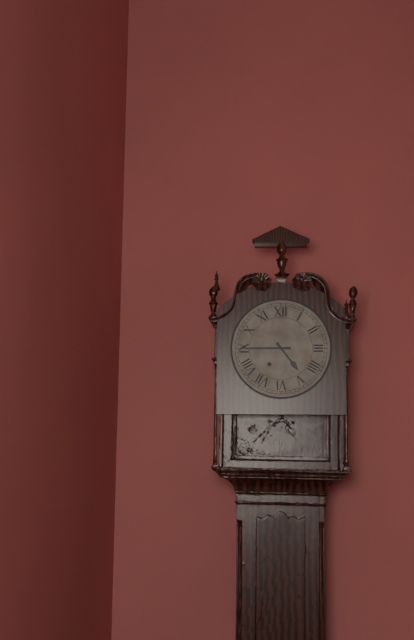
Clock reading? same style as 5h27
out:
4h45
